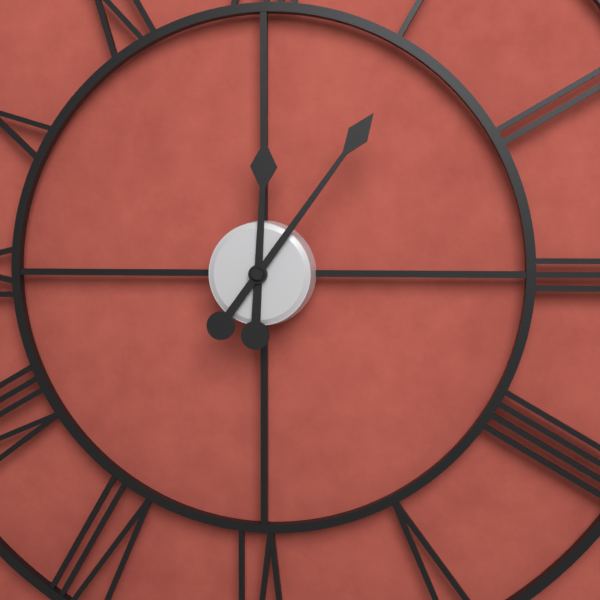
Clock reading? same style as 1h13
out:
12h06
